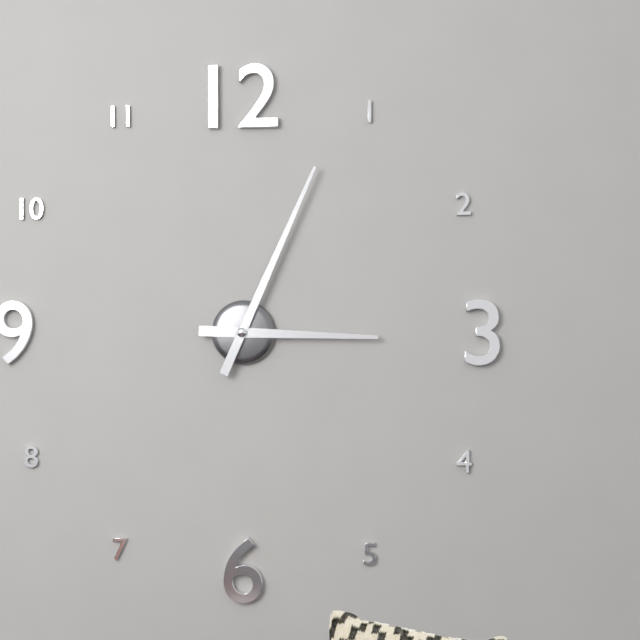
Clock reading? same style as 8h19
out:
3h04
